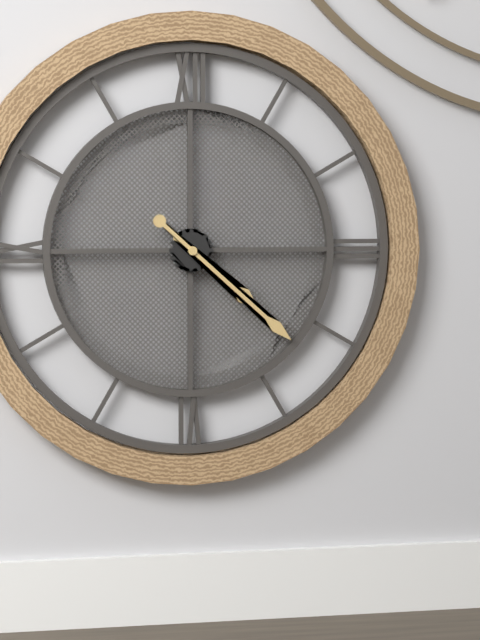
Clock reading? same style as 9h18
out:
4h22
